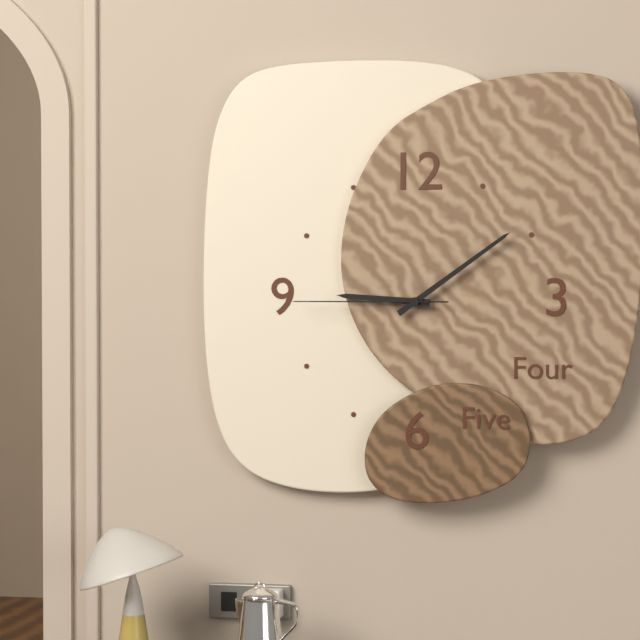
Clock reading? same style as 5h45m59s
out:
9h09m45s
